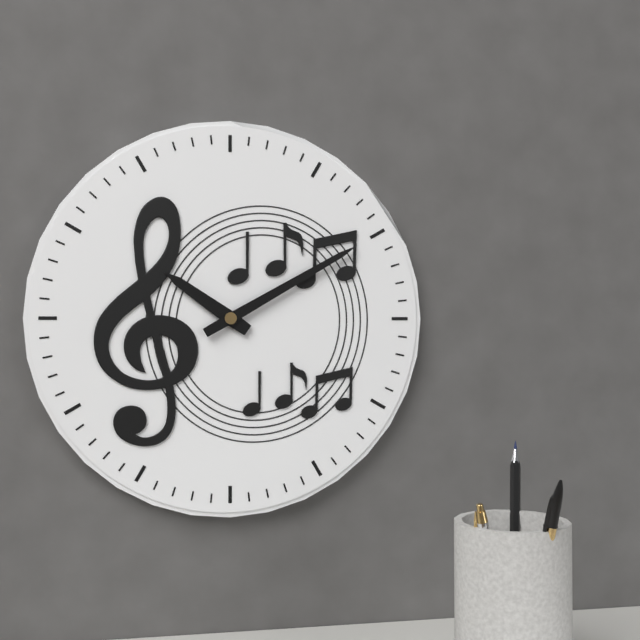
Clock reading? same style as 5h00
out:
10h10
